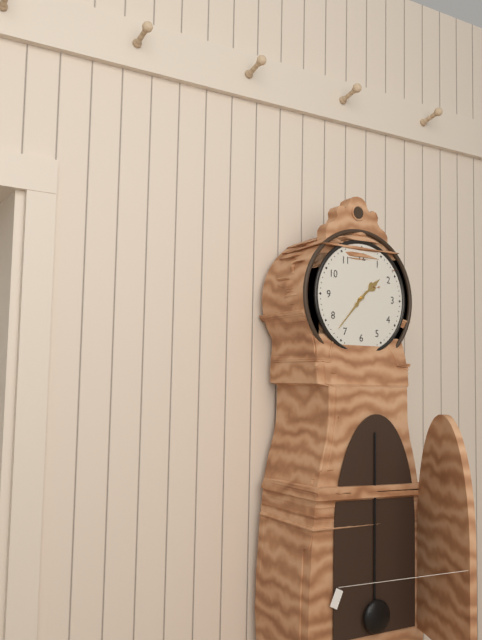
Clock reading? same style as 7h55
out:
1h37
